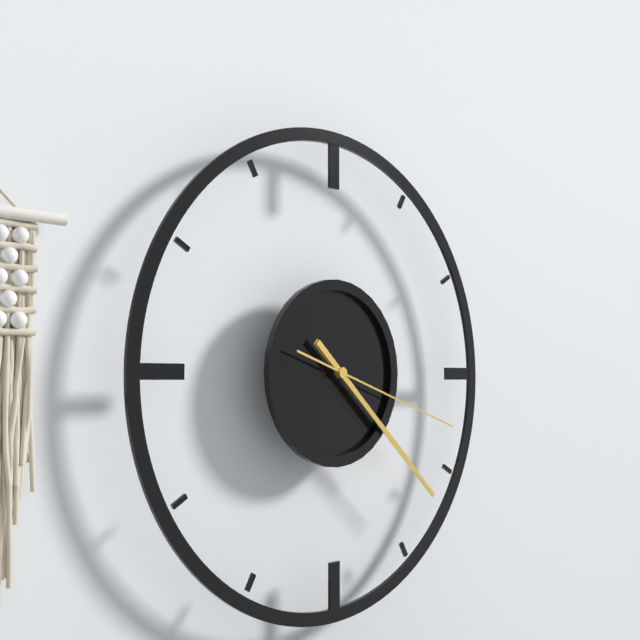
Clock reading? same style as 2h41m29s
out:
4h22m18s
